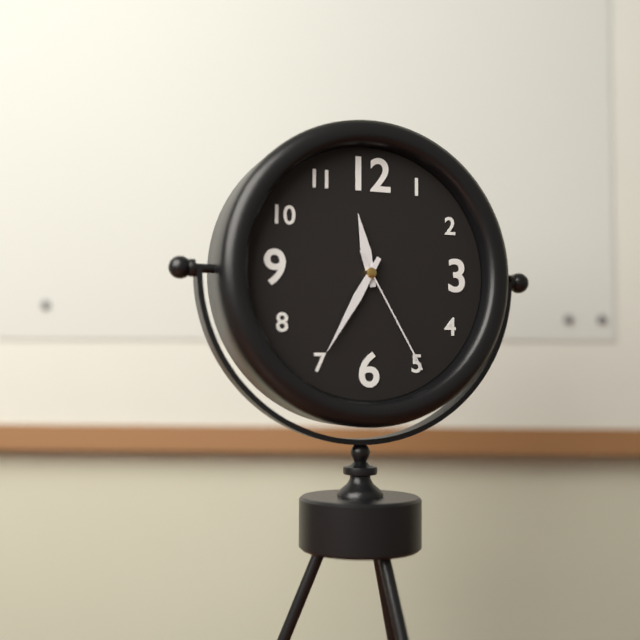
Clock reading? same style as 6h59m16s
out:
11h35m25s
